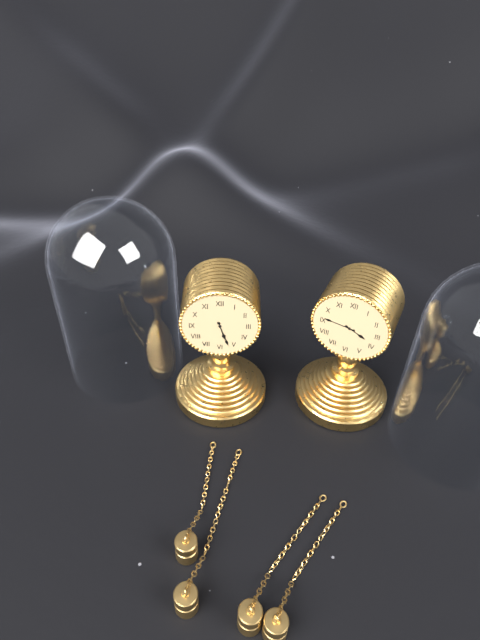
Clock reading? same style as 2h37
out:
5h27
